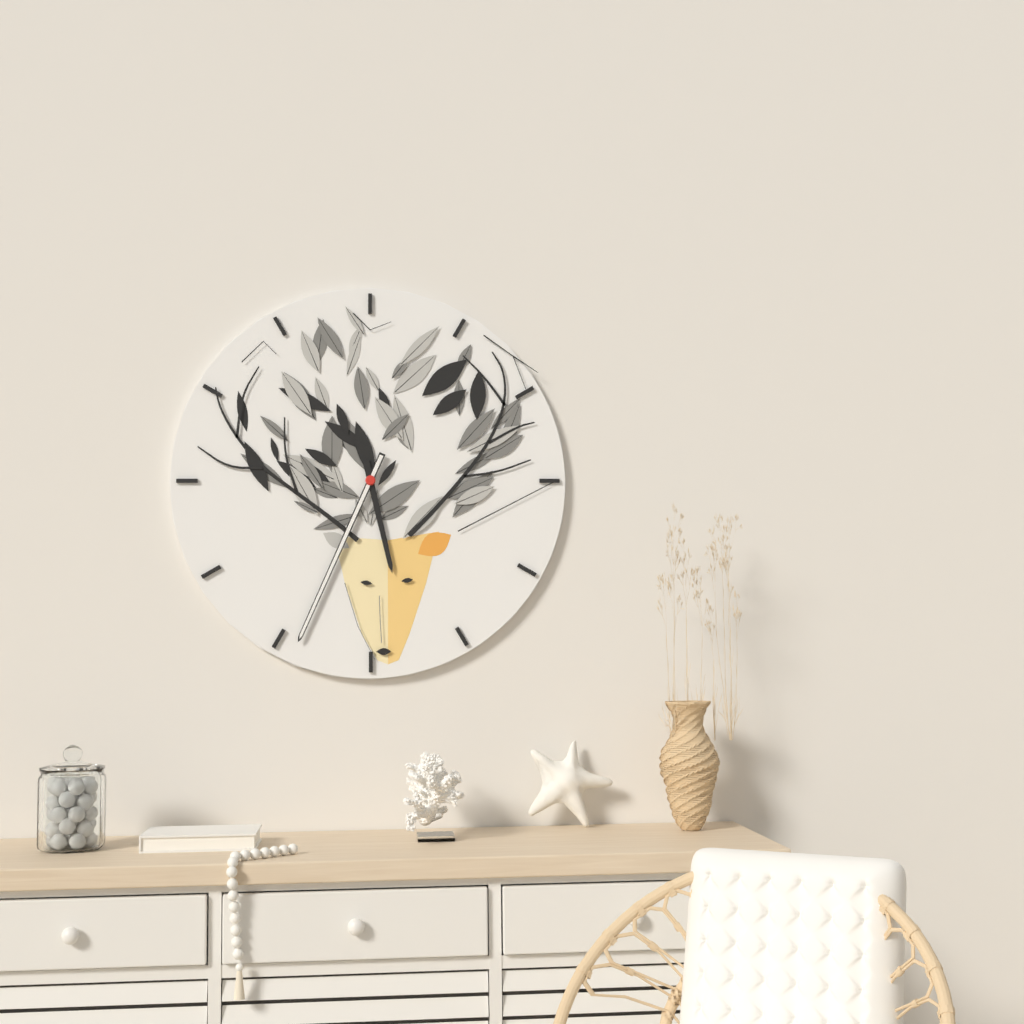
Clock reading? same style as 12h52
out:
5h34
